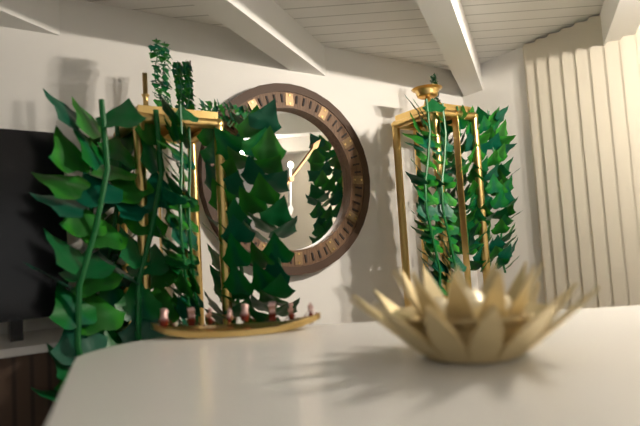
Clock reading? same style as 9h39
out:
6h07
